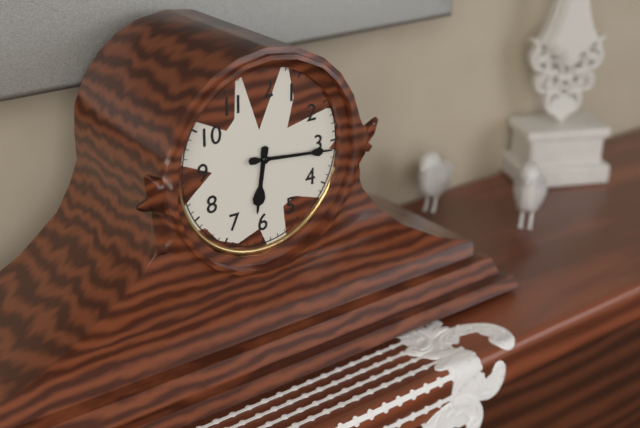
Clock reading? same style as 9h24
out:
6h16
